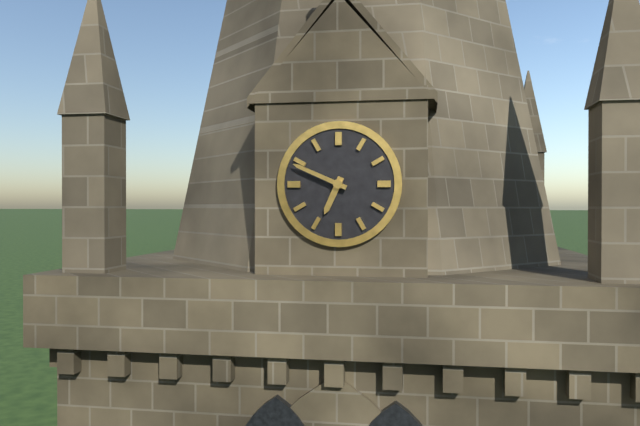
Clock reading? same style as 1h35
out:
6h49
